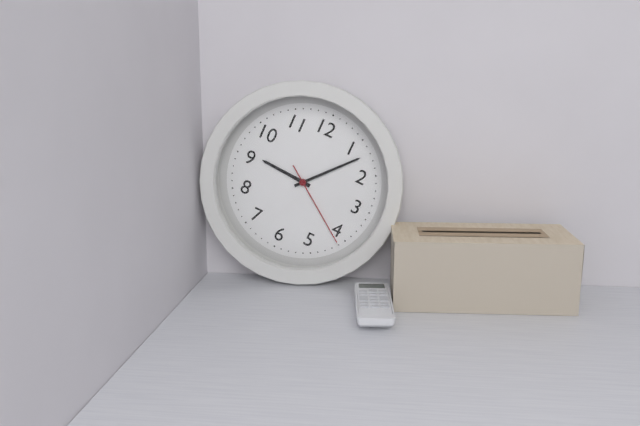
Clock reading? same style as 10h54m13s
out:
9h07m21s
